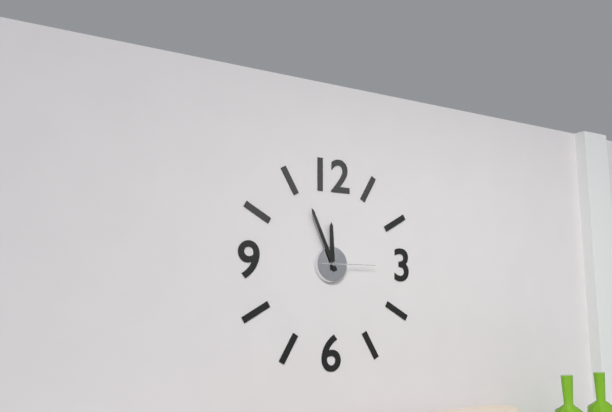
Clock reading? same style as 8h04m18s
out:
11h56m15s
